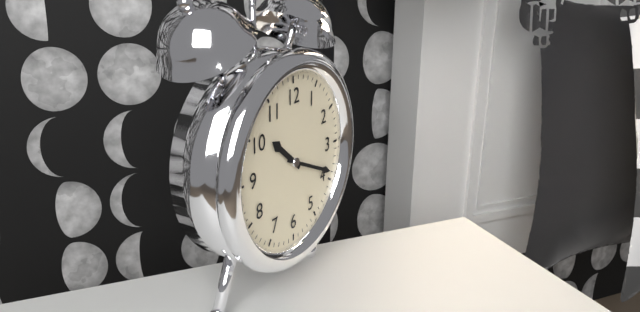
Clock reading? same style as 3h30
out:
10h19
